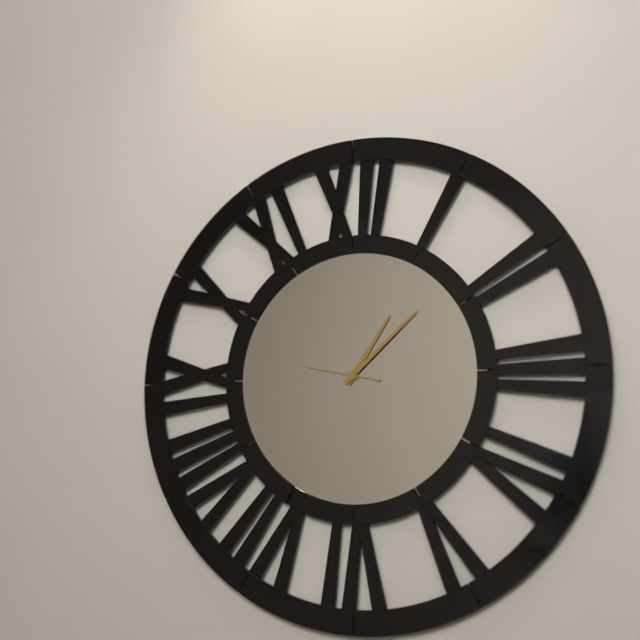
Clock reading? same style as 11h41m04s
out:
1h08m47s
